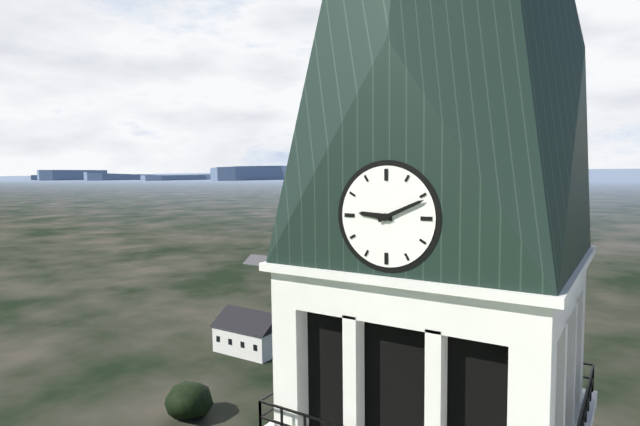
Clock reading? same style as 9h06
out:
9h11
